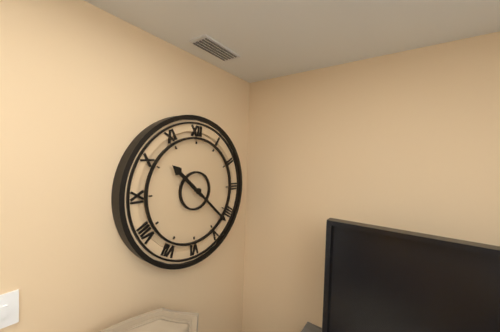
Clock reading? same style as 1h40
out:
10h22
